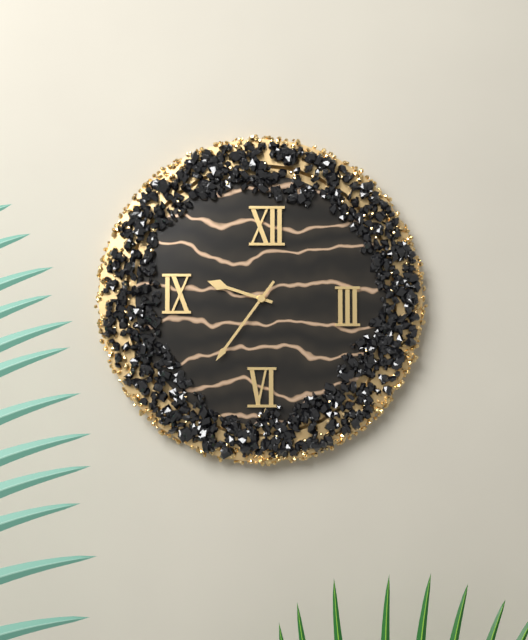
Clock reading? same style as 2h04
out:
9h36
